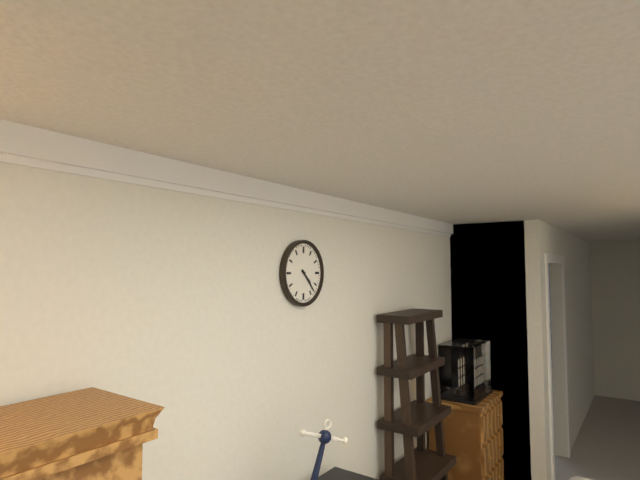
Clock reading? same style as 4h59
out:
4h23
